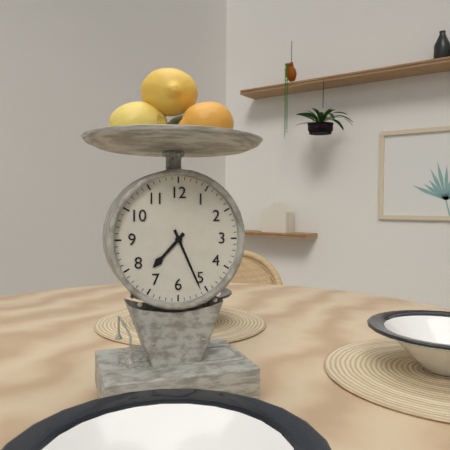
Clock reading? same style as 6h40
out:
7h26
